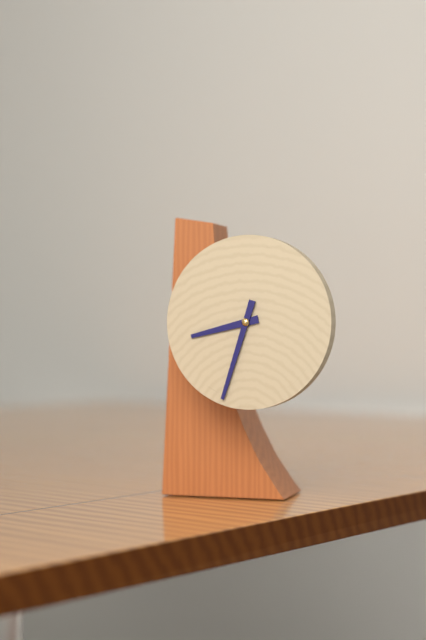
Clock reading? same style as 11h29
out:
8h33
